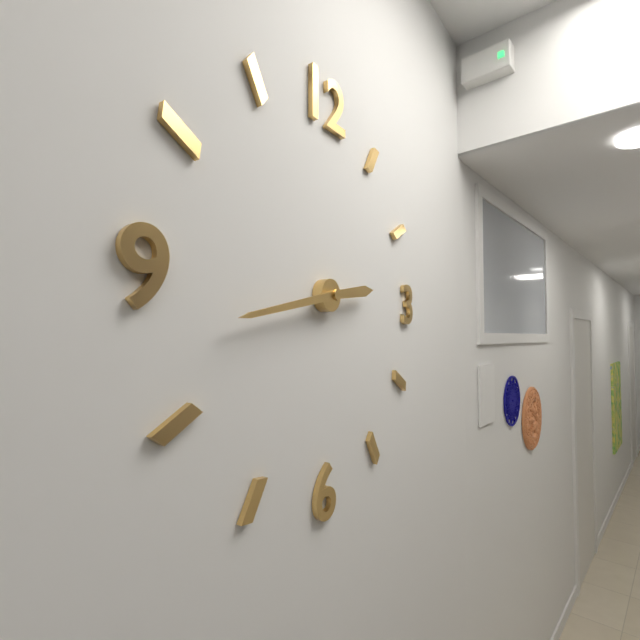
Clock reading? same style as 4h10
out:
2h43
